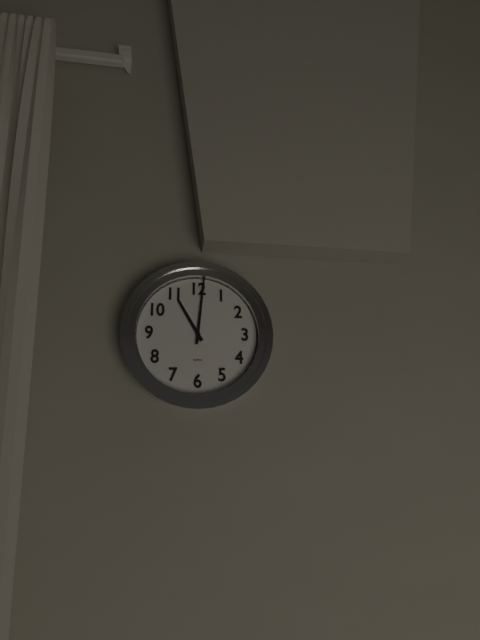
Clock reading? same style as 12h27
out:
11h01
